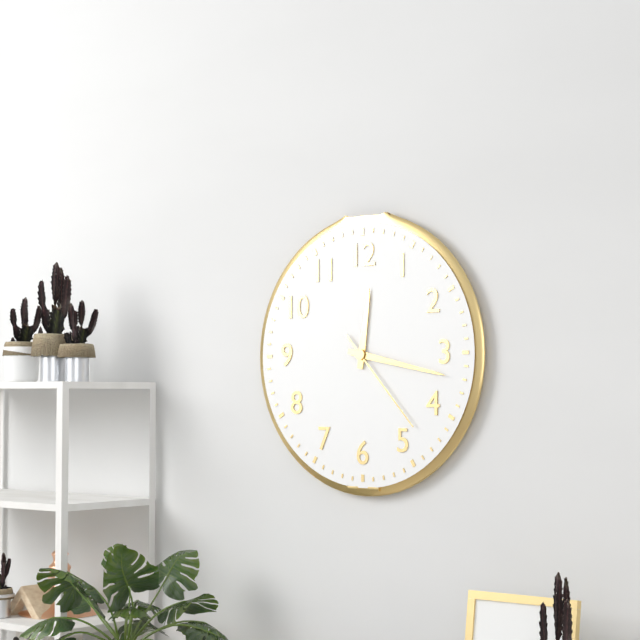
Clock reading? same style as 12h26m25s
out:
12h17m23s
